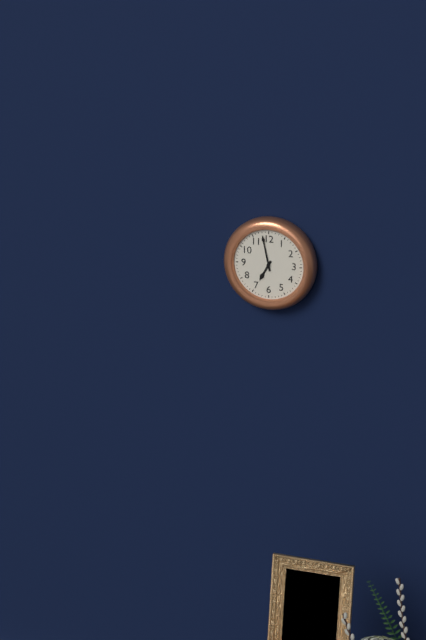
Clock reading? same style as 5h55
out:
6h58
